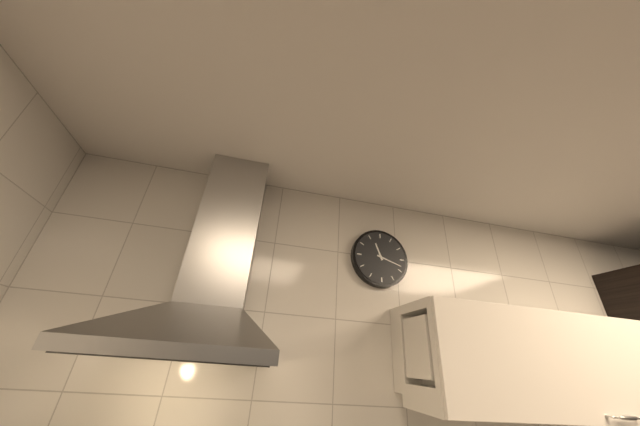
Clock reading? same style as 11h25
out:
11h18
